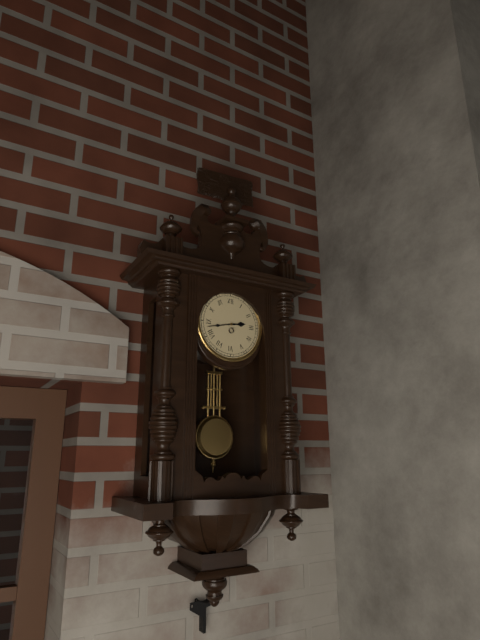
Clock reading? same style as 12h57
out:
2h43
